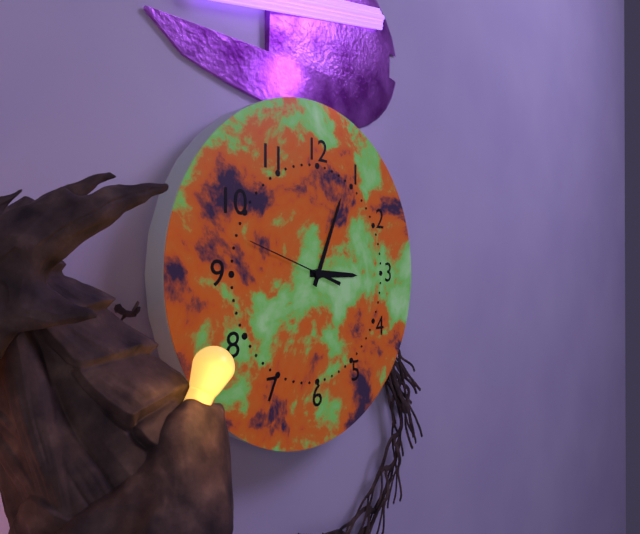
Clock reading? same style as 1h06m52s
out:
3h04m48s
